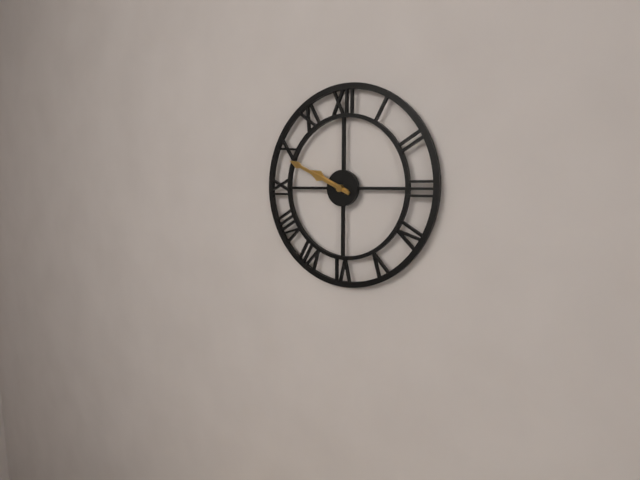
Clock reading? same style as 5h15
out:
9h49
